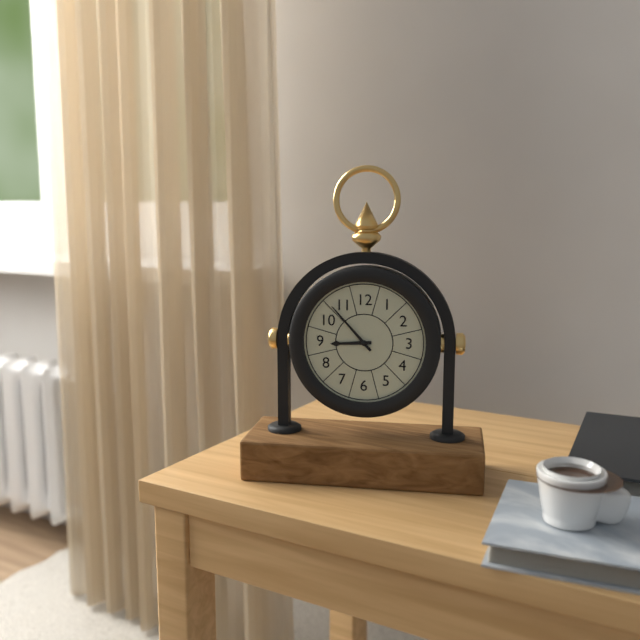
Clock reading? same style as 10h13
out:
8h53
